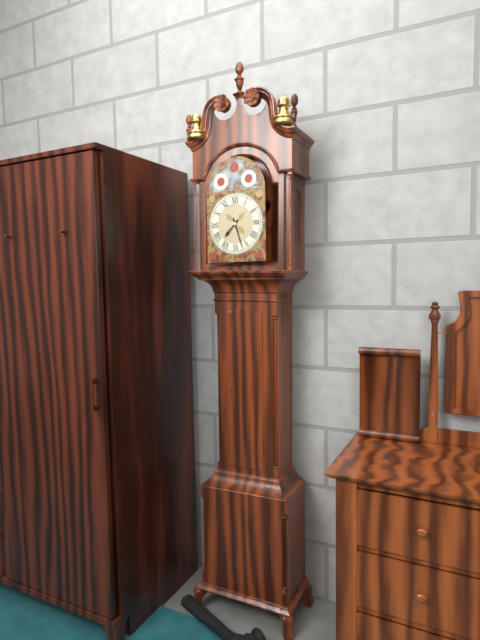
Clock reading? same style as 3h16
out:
7h27
